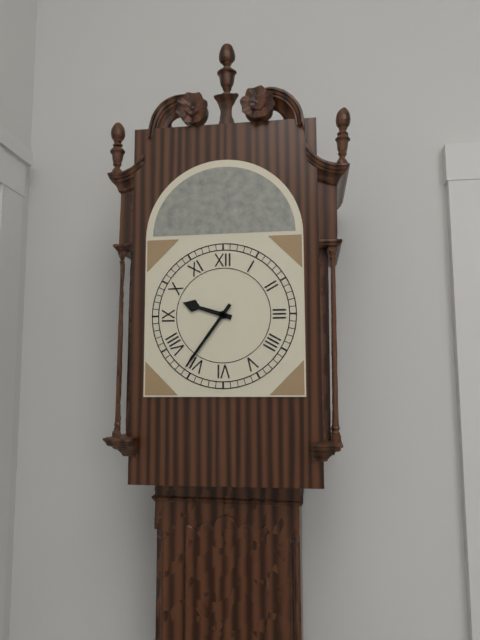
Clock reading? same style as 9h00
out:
9h36
